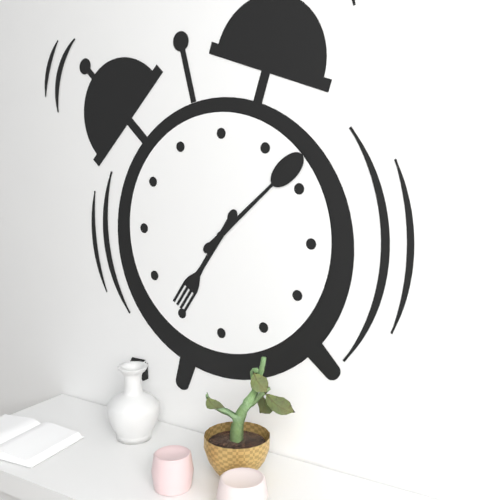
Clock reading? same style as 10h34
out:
7h08
